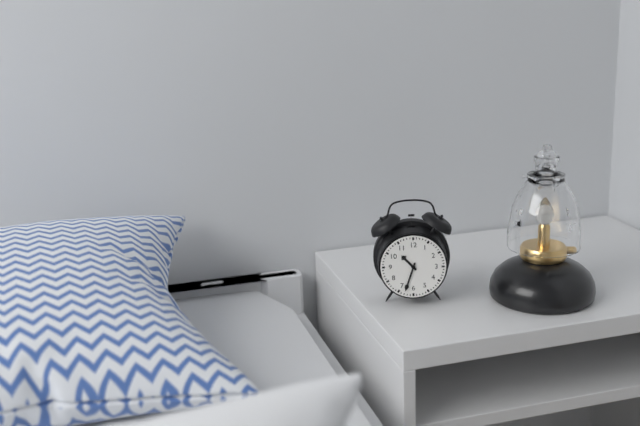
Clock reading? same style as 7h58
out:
10h33
